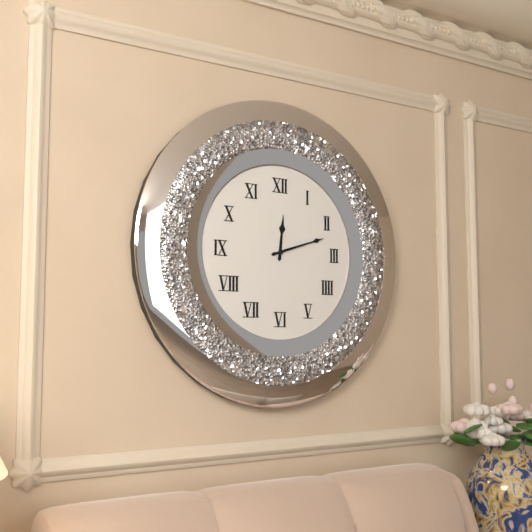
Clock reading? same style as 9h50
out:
12h12
